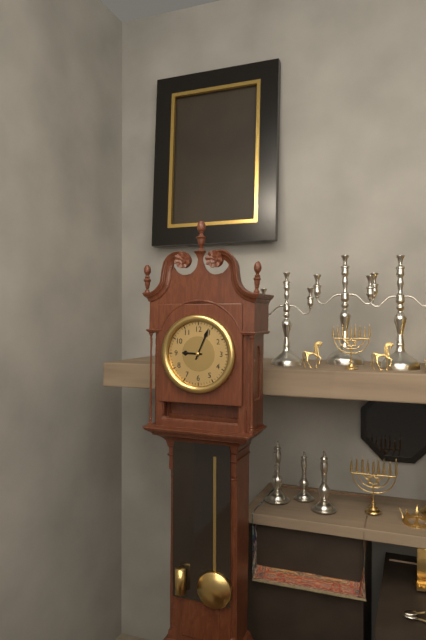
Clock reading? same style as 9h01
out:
9h04
